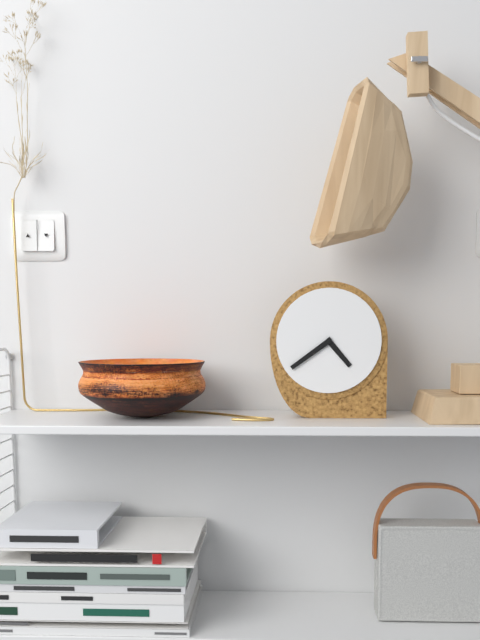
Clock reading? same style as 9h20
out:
4h39
